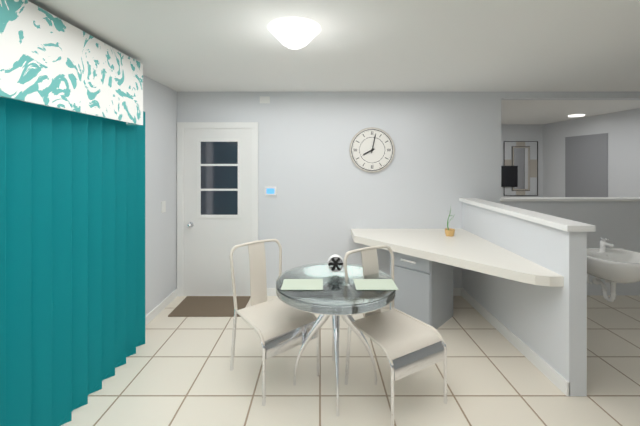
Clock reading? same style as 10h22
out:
8h02
